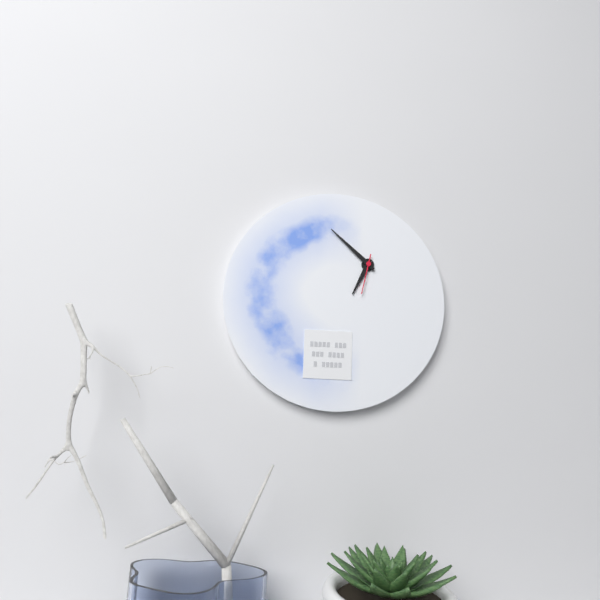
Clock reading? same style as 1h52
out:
6h52
